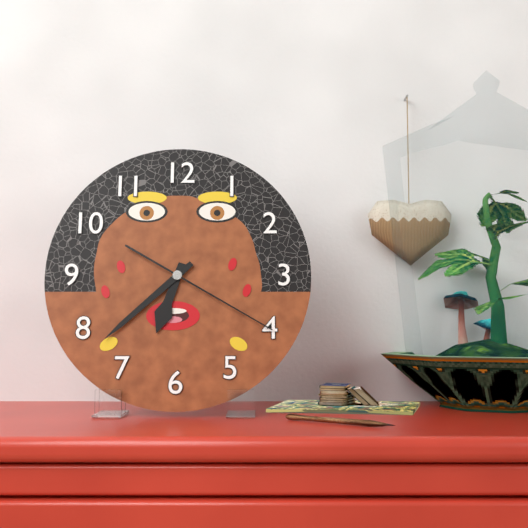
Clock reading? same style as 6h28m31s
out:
6h38m20s
